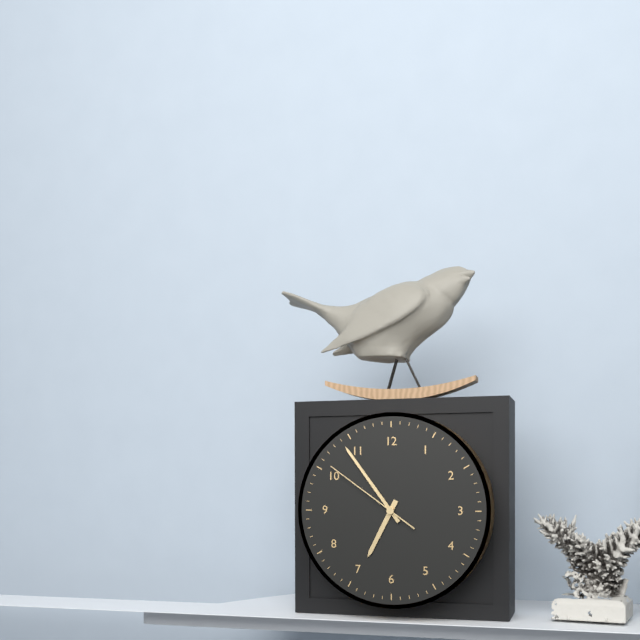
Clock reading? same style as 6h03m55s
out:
6h54m51s
